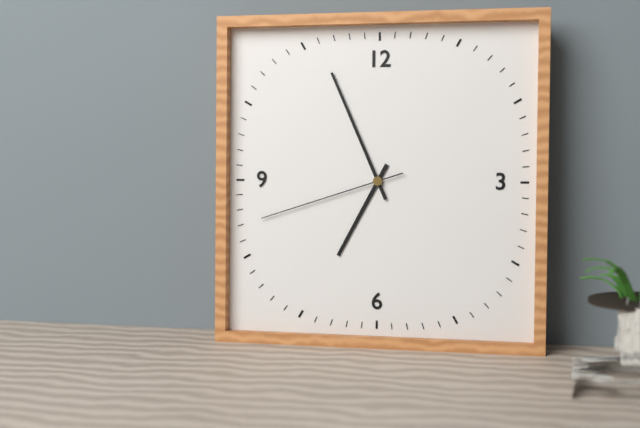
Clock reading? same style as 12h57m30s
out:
6h56m42s
